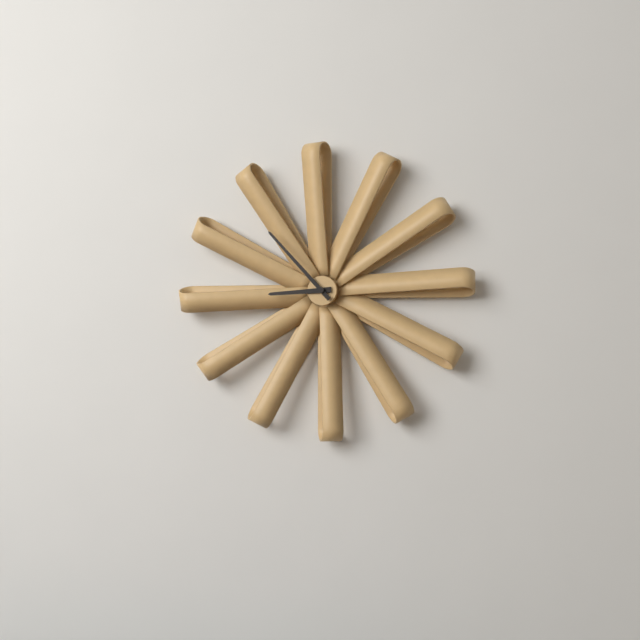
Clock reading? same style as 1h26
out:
8h53
